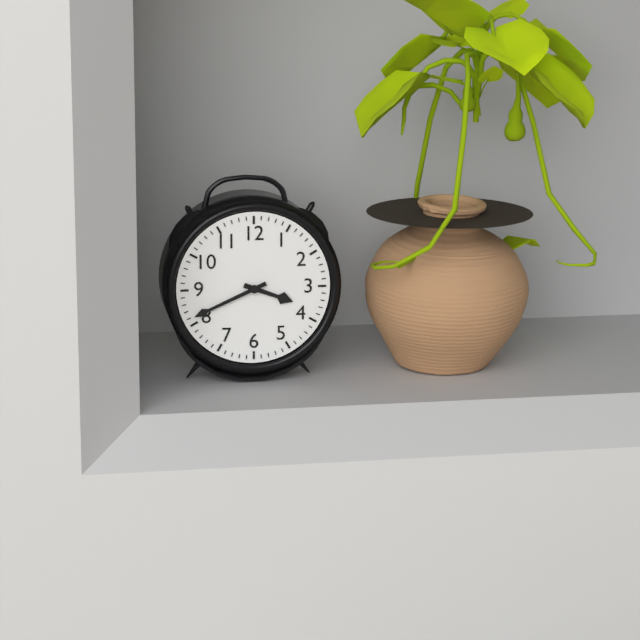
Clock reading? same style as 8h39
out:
3h41
